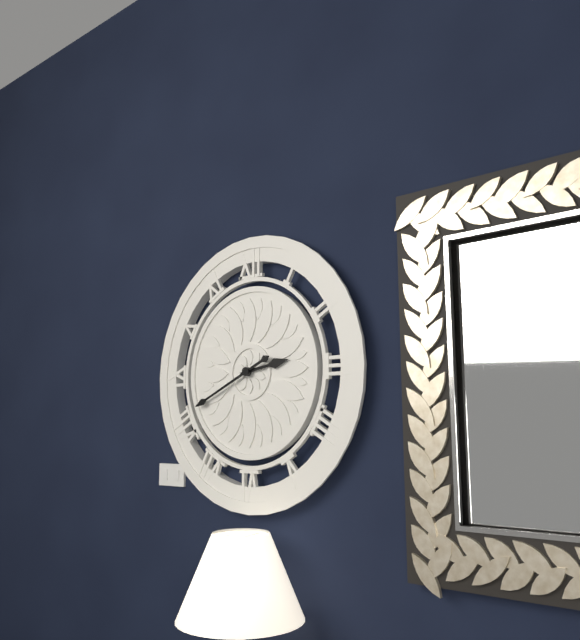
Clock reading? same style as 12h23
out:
2h41
